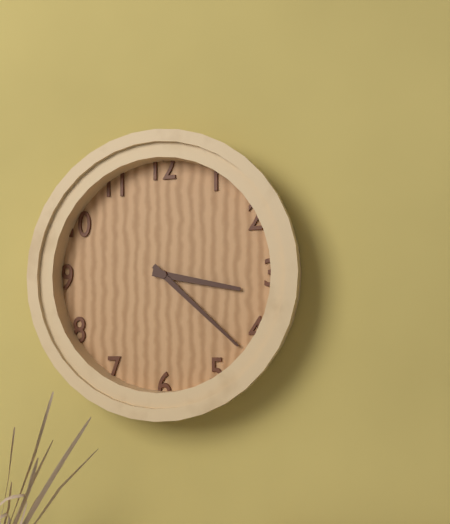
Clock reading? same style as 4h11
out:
3h22
